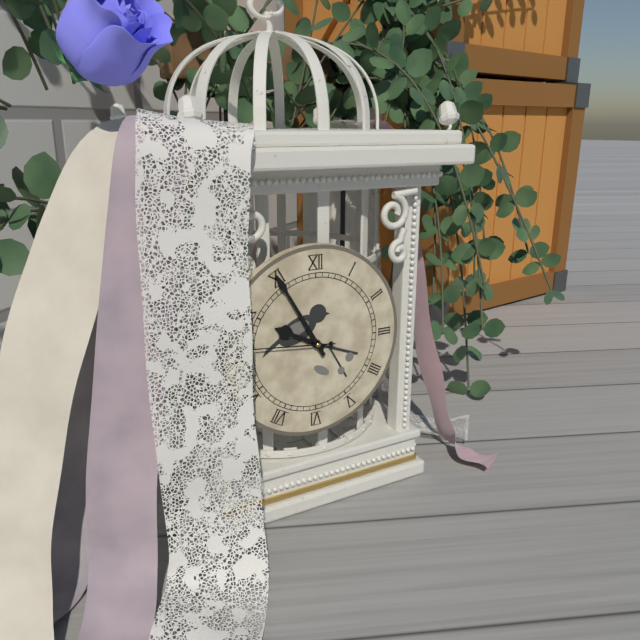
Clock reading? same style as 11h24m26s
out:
9h55m46s
